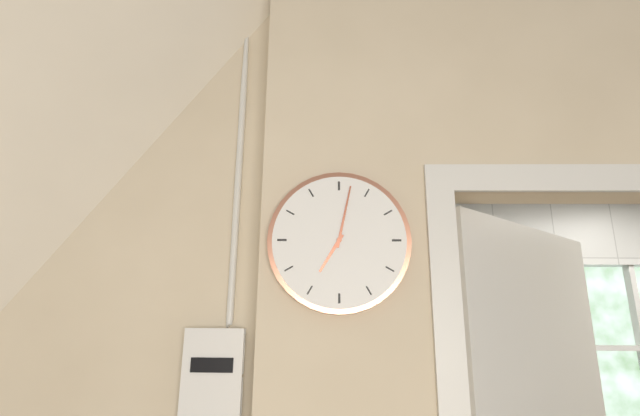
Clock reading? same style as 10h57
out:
7h02
